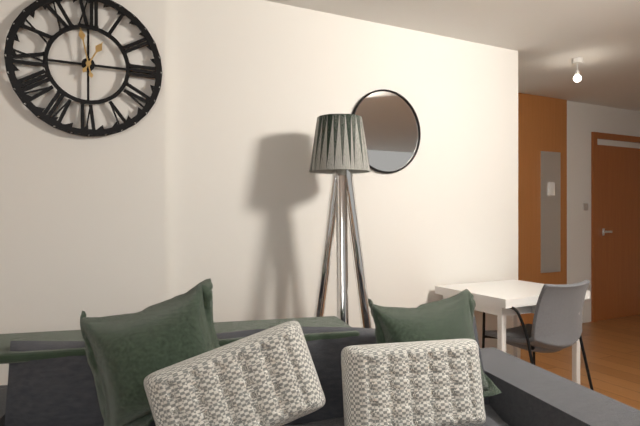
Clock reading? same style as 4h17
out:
12h58
